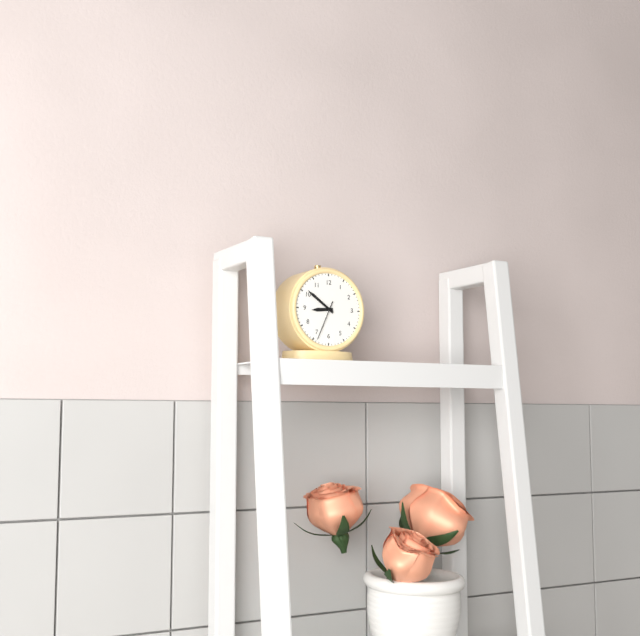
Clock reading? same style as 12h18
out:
8h51
